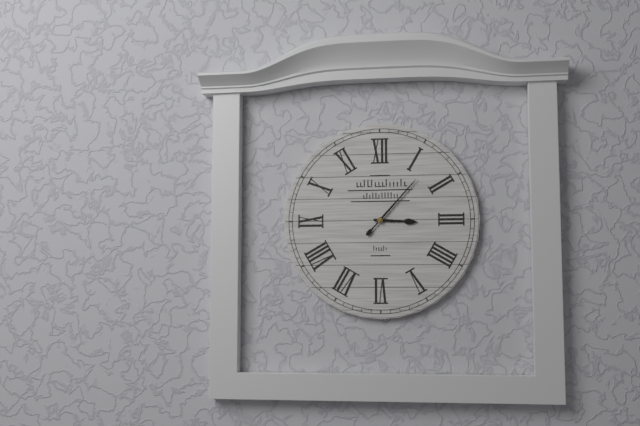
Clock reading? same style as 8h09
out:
3h07
